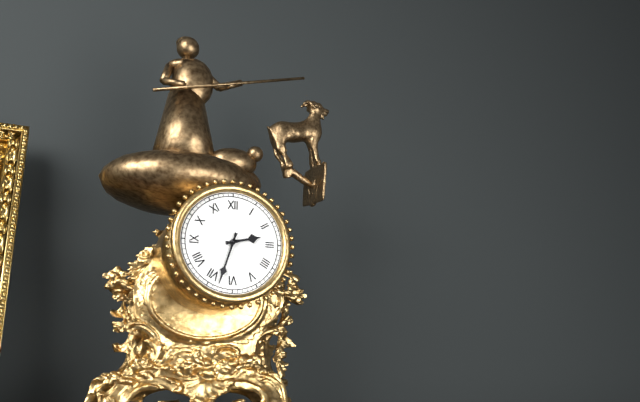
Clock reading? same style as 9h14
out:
2h33
